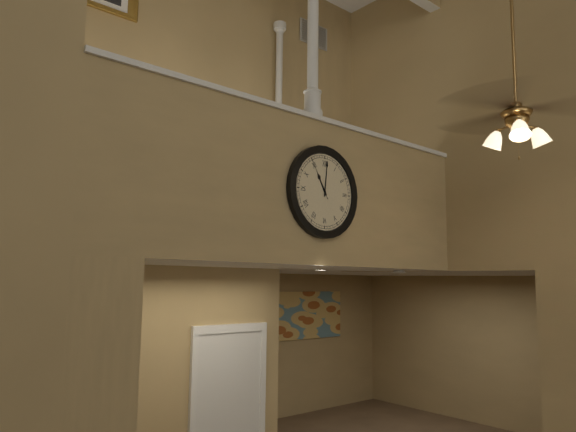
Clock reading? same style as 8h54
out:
11h01
